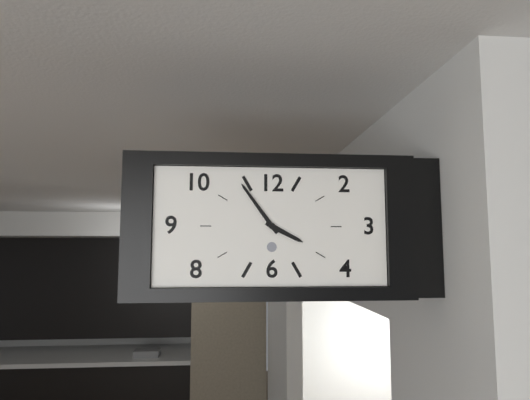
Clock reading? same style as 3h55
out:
3h54
